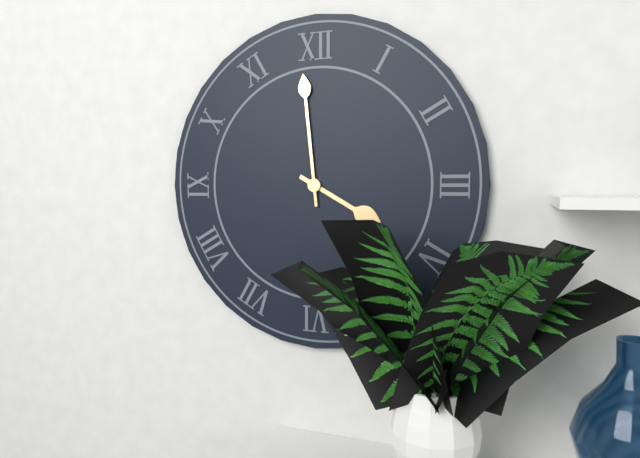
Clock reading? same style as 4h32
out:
3h59
